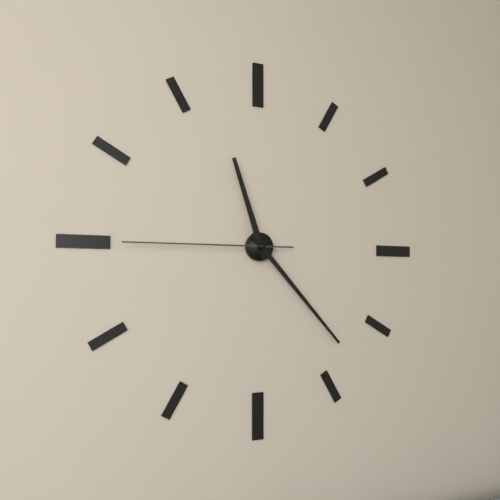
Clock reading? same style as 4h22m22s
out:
11h23m45s
